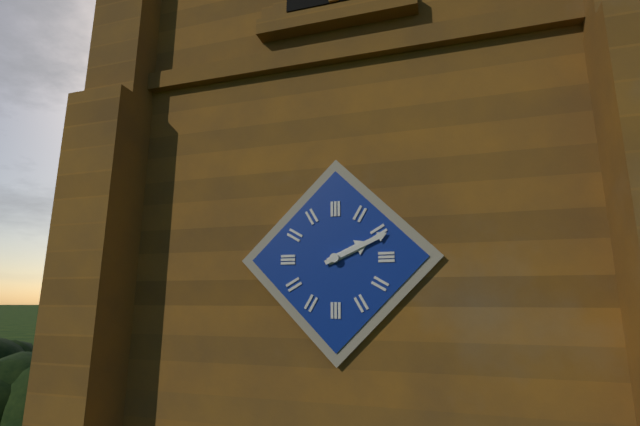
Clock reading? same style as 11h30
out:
2h11
